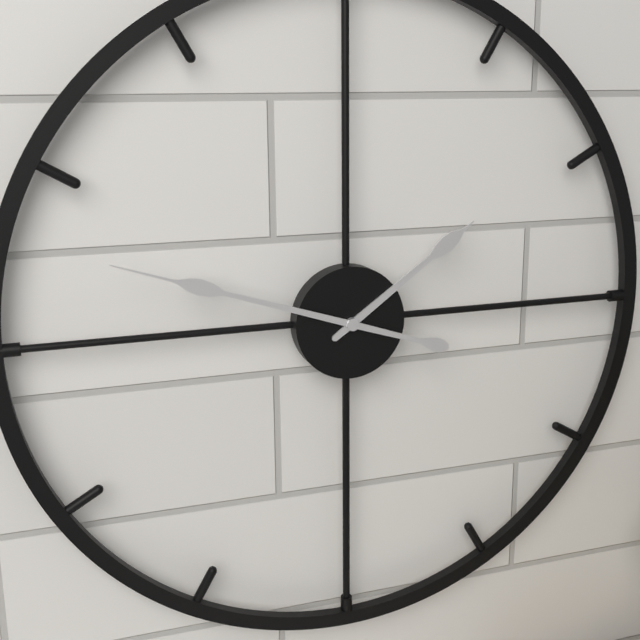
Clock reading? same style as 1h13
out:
1h48
